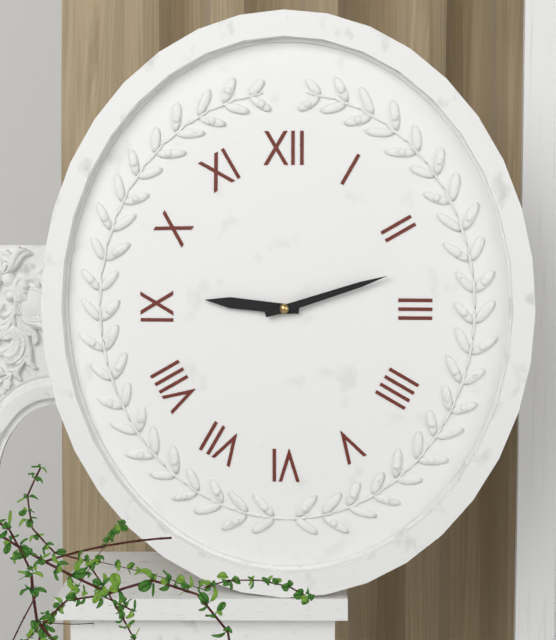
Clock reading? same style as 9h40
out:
9h12
